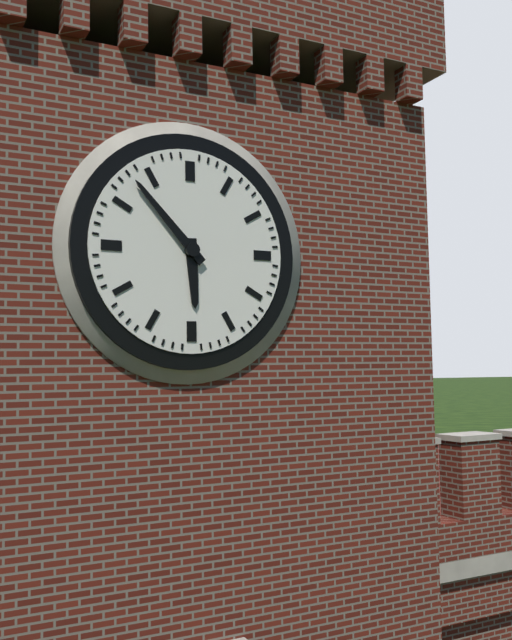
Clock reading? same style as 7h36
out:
5h53
